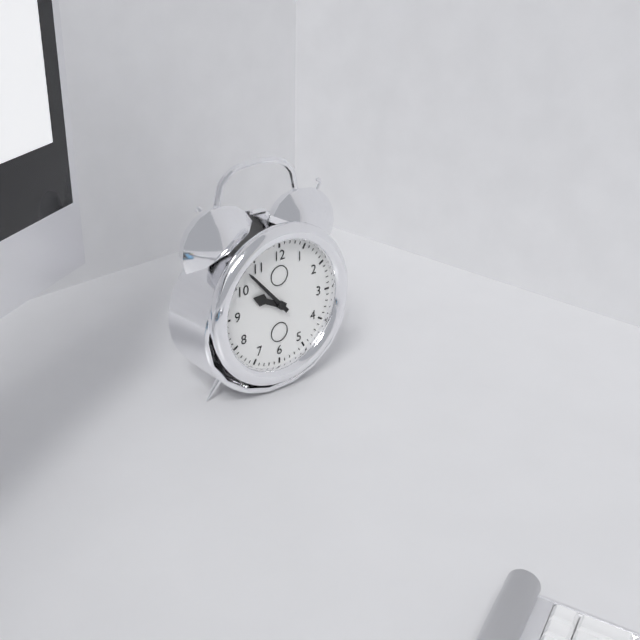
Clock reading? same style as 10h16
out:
9h53
